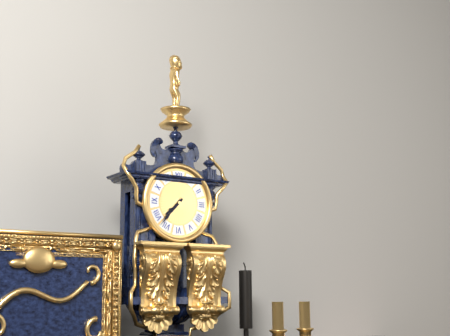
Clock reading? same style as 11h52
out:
7h37
